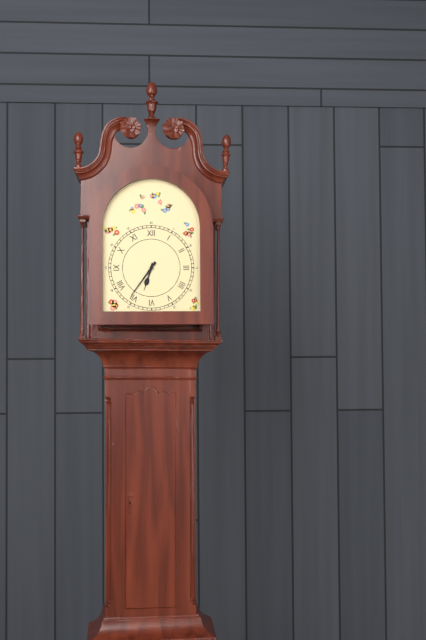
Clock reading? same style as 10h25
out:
6h36
